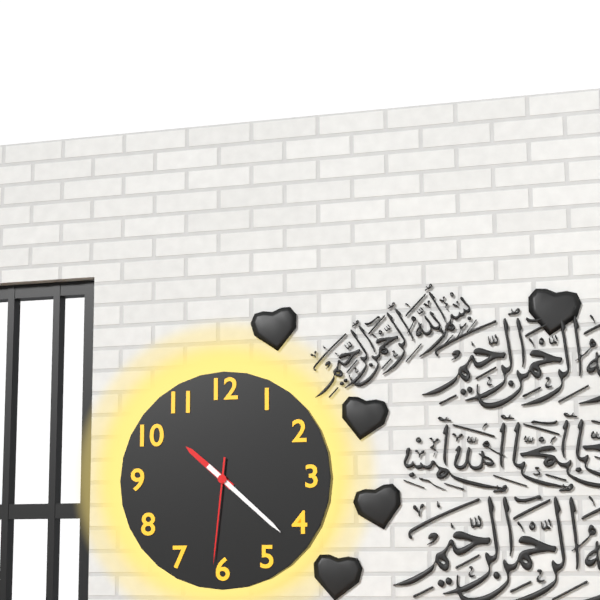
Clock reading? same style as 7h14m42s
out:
10h22m31s
